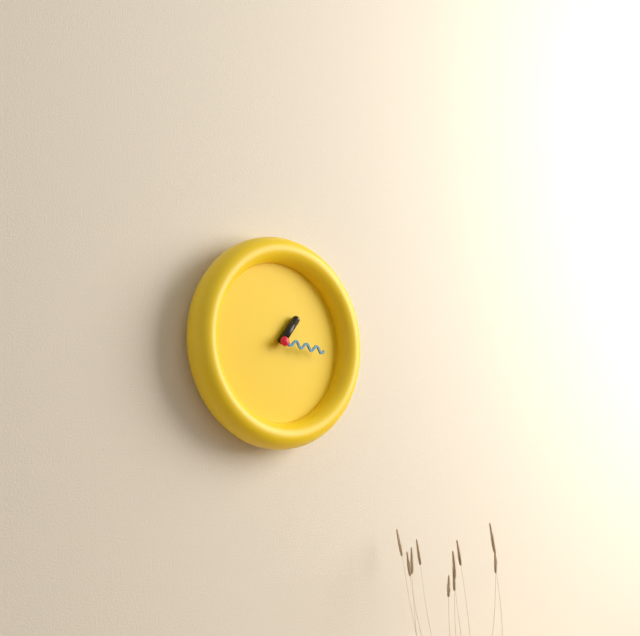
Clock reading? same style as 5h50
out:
1h16
